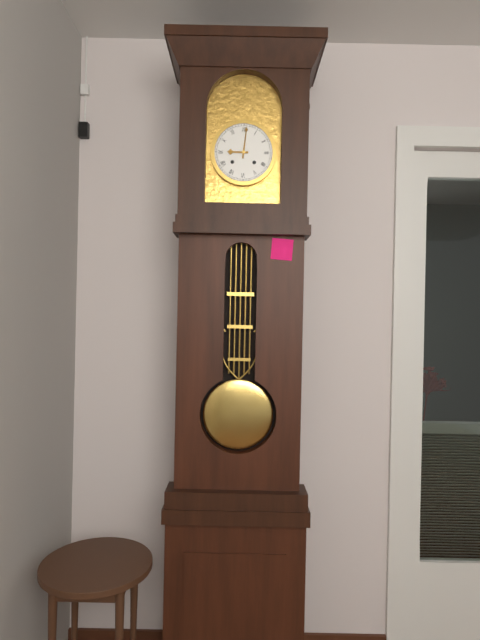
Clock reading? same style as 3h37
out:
9h01
